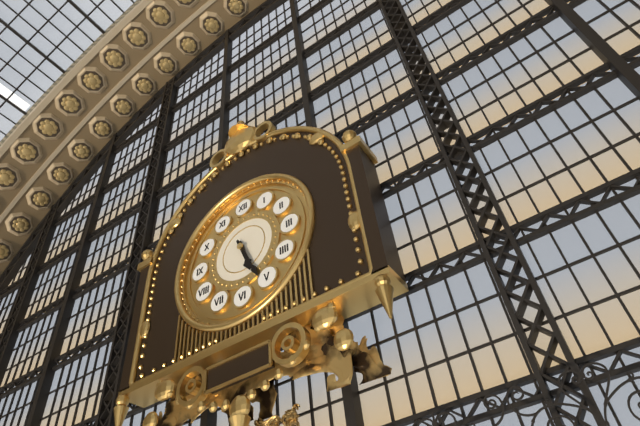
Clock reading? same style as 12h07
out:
5h26
